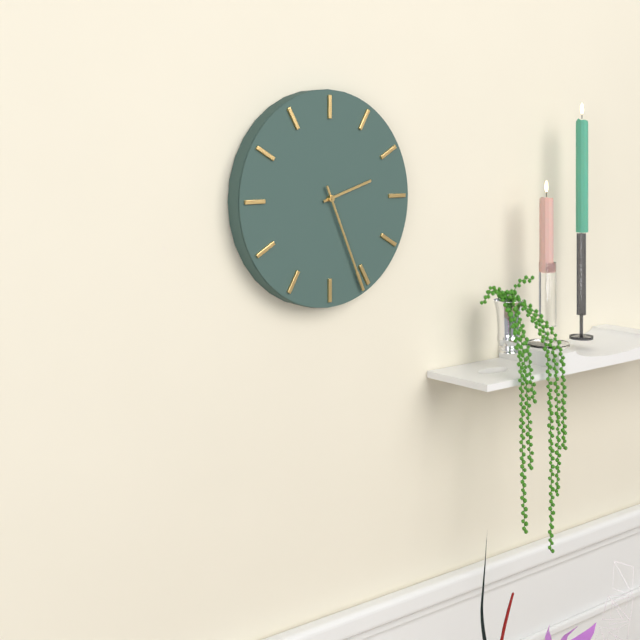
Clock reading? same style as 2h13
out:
2h26
